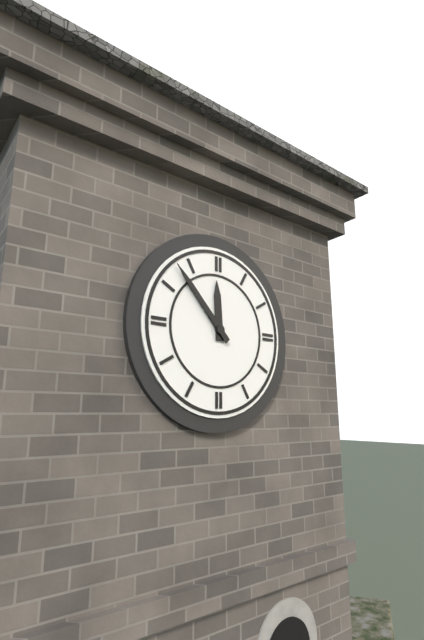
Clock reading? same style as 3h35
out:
11h53
